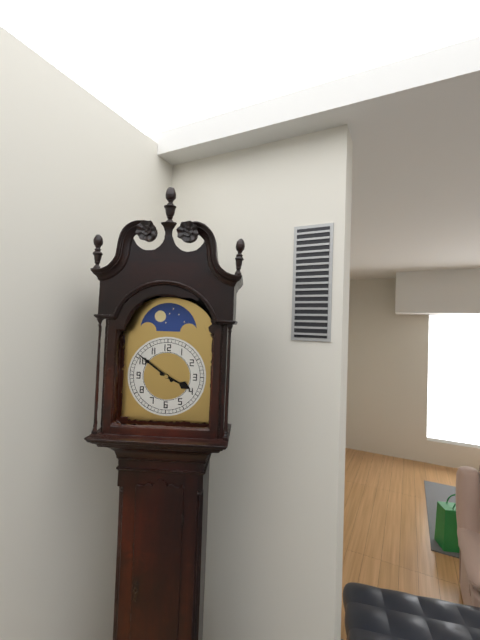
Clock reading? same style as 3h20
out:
3h51
